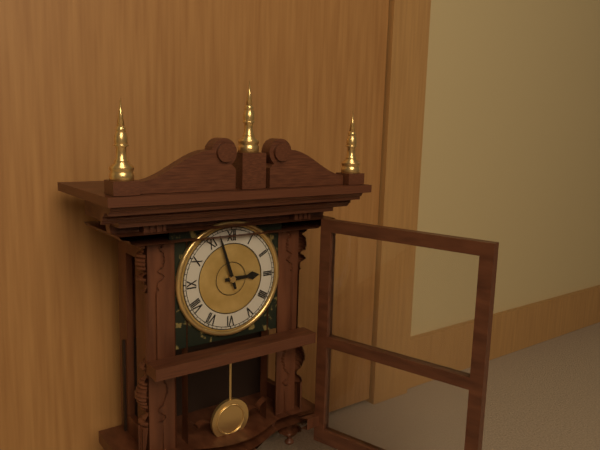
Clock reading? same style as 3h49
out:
2h57
